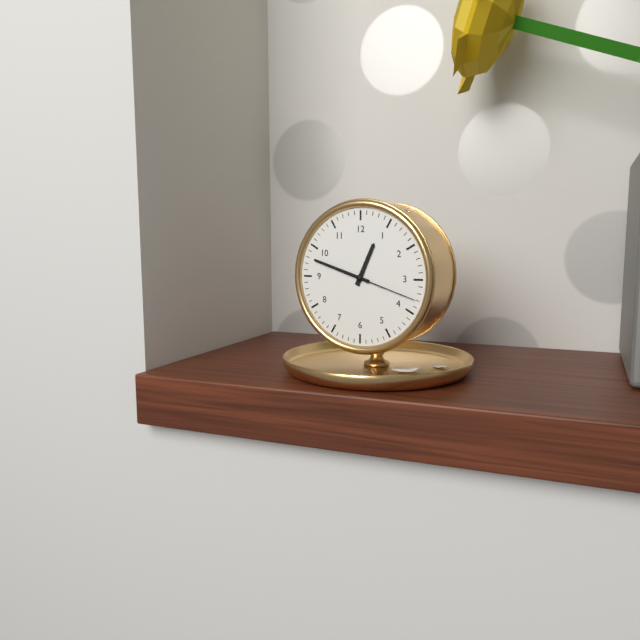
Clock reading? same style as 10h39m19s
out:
12h48m18s
